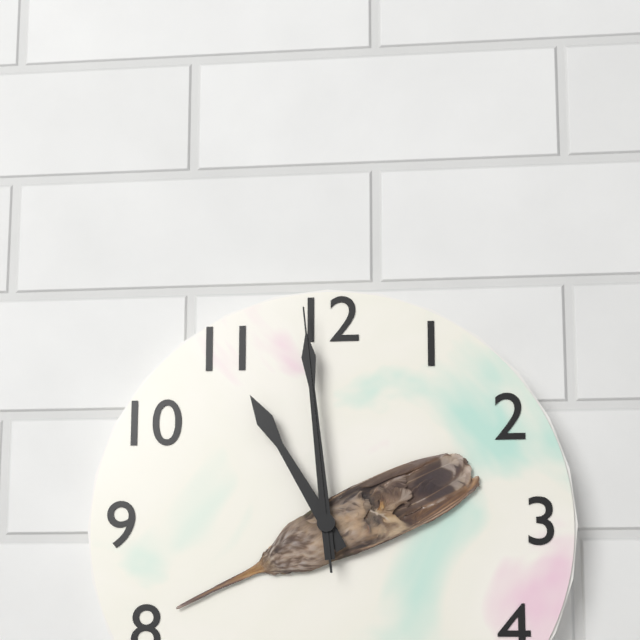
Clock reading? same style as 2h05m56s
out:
10h59m59s
